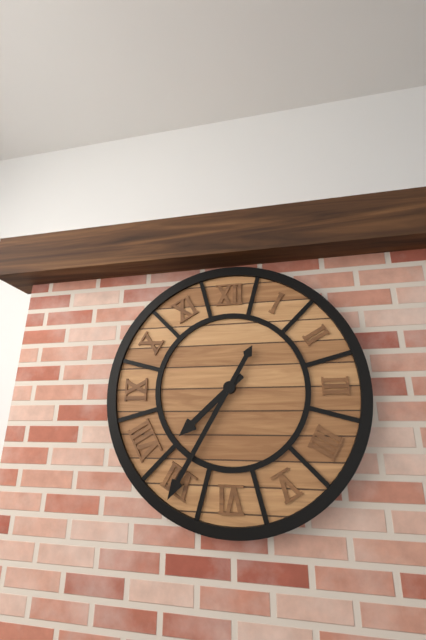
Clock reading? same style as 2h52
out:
7h35
